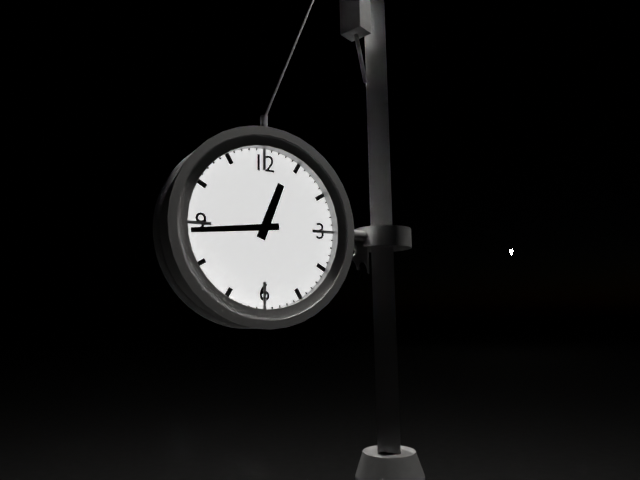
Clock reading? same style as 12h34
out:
12h44
